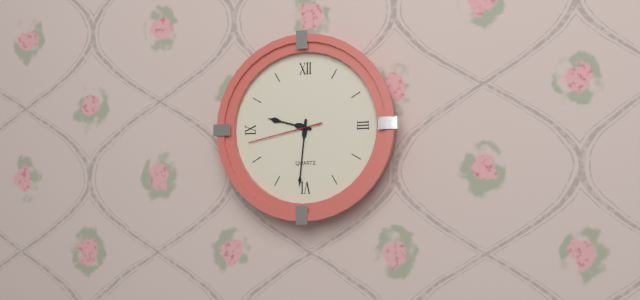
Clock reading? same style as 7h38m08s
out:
9h31m43s
